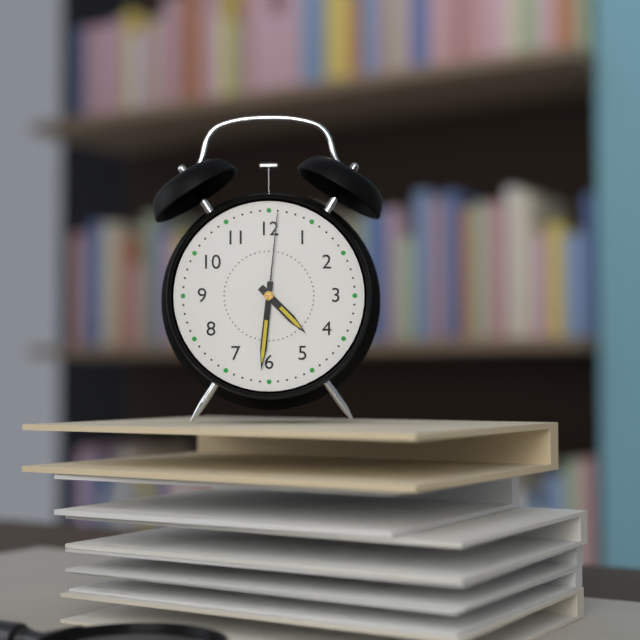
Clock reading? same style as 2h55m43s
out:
4h31m01s
